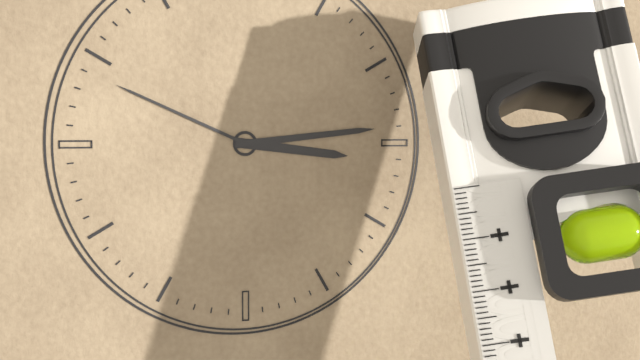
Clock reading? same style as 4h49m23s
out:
3h14m49s
